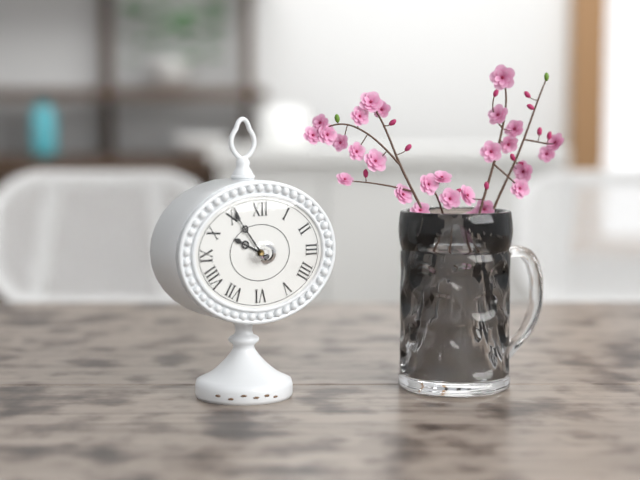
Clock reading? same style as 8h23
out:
9h54
